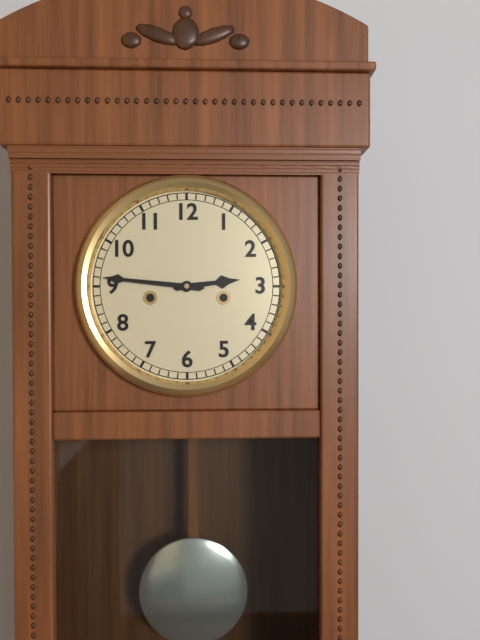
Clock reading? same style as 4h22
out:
2h46
